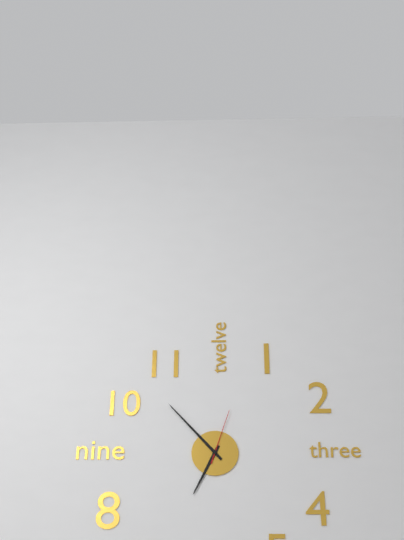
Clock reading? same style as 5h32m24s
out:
6h53m03s
